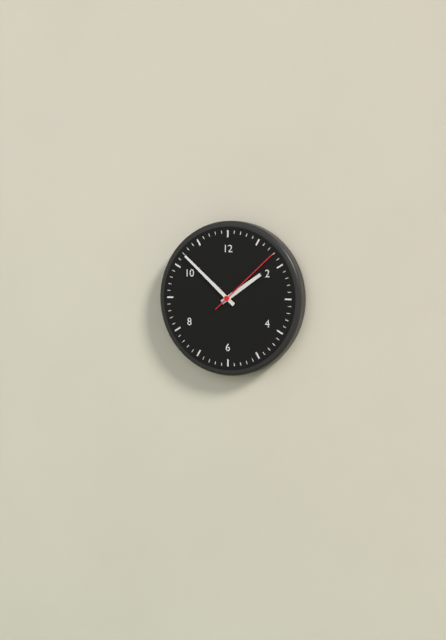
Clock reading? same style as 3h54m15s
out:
1h52m08s
